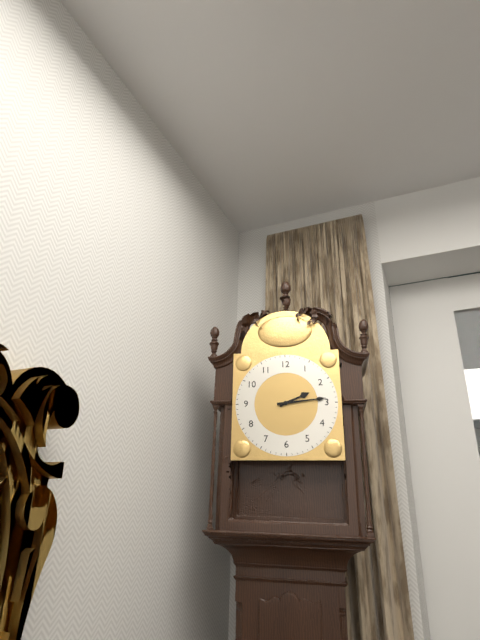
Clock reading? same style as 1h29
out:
2h14
